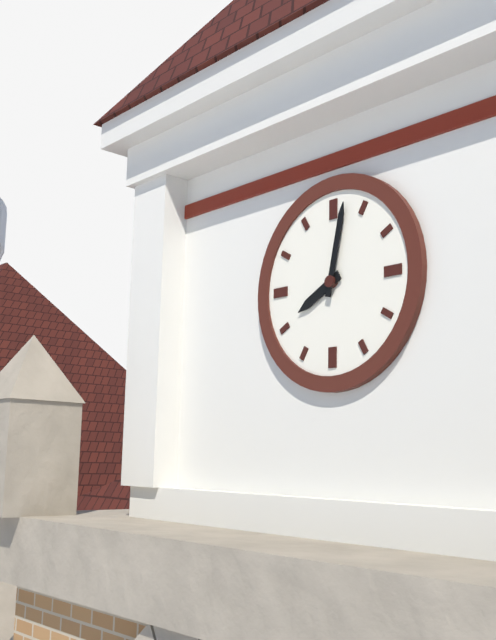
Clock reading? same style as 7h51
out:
8h02
